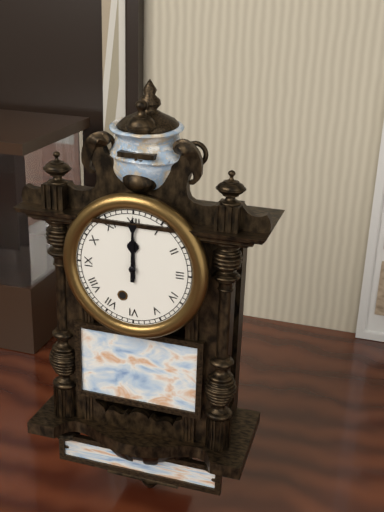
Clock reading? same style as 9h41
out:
12h00
